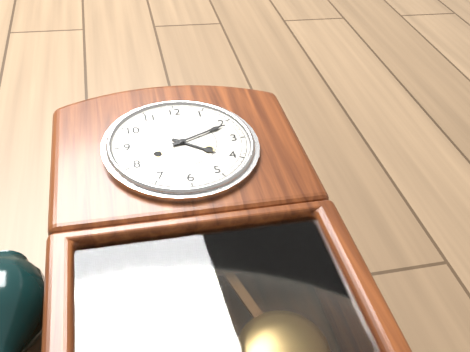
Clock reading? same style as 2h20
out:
4h11
